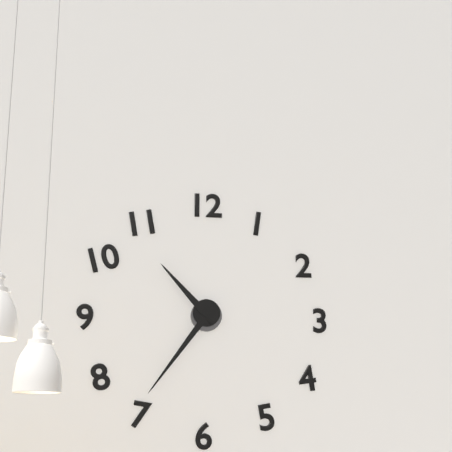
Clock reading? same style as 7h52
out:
10h36
